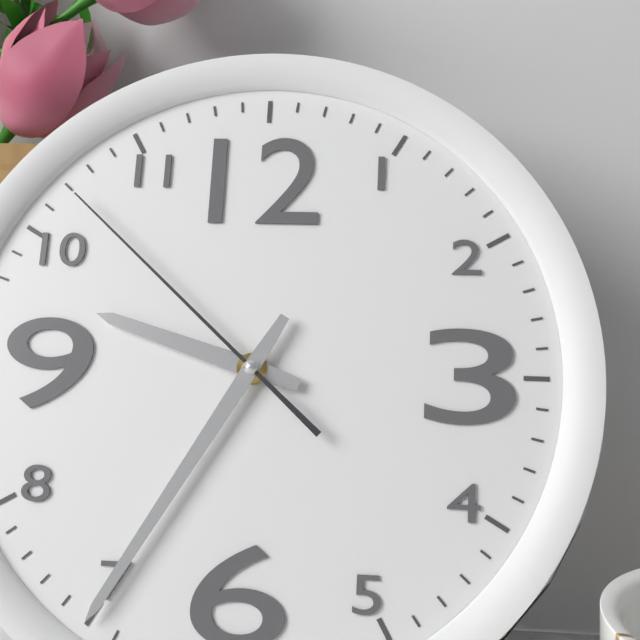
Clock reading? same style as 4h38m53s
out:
9h35m52s
